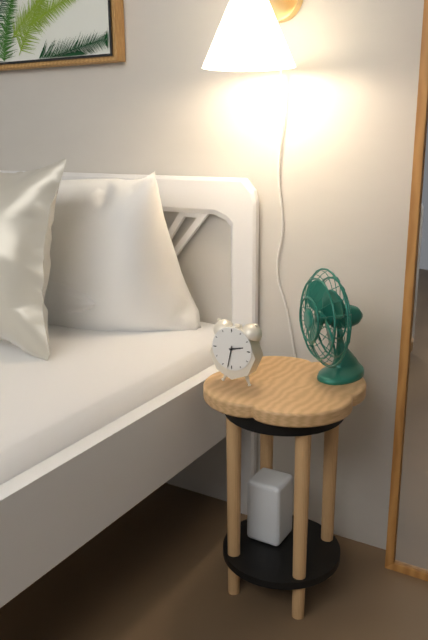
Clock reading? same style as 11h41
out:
2h32
